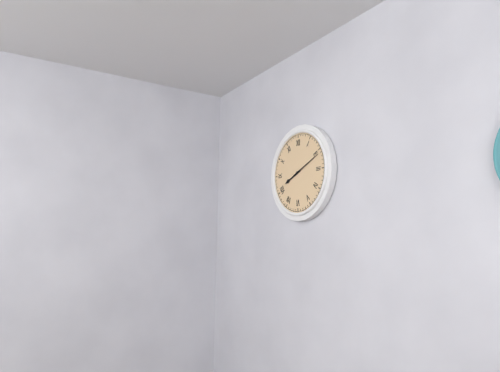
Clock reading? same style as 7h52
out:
8h11
